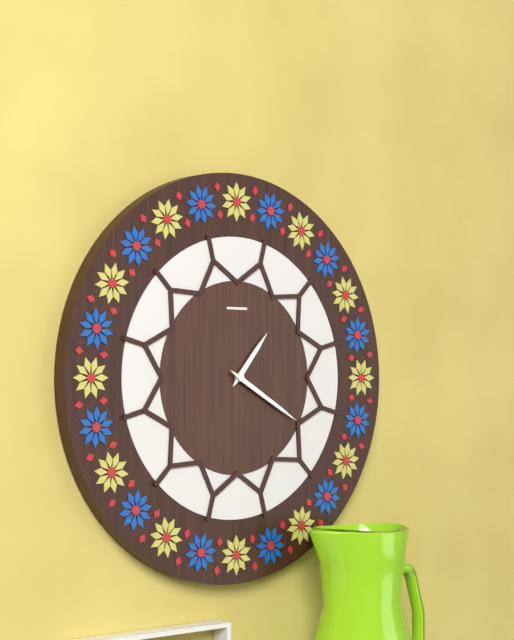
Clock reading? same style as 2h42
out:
1h20
